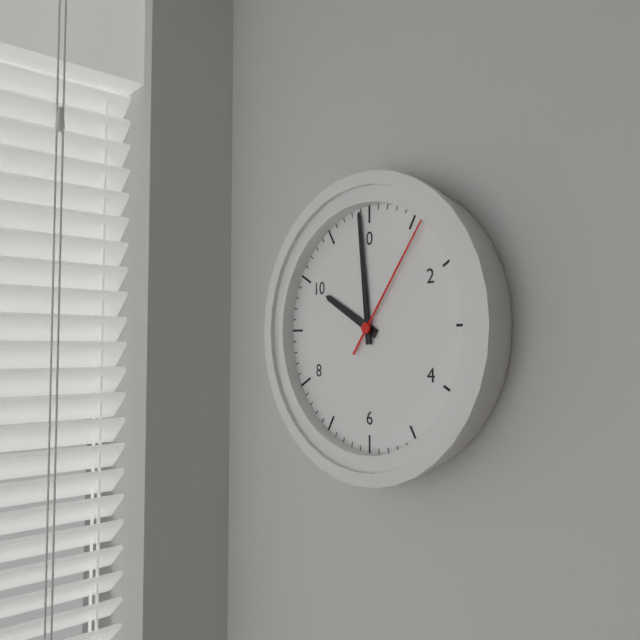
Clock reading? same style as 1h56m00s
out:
9h59m06s
